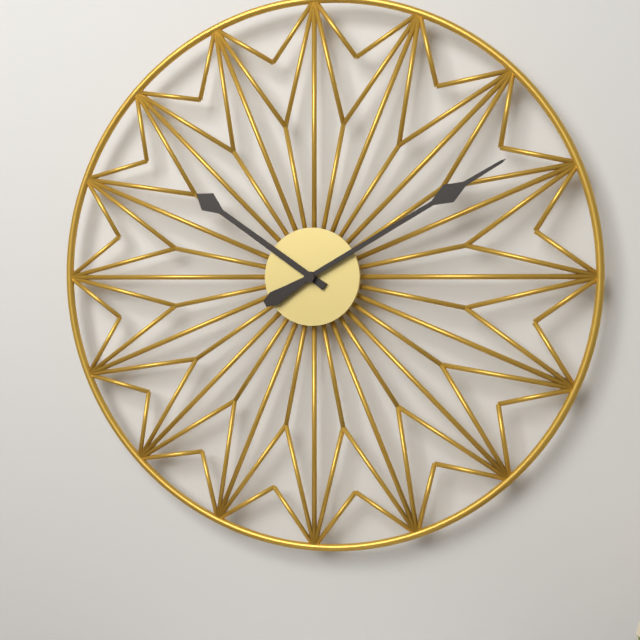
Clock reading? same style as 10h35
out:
10h10
